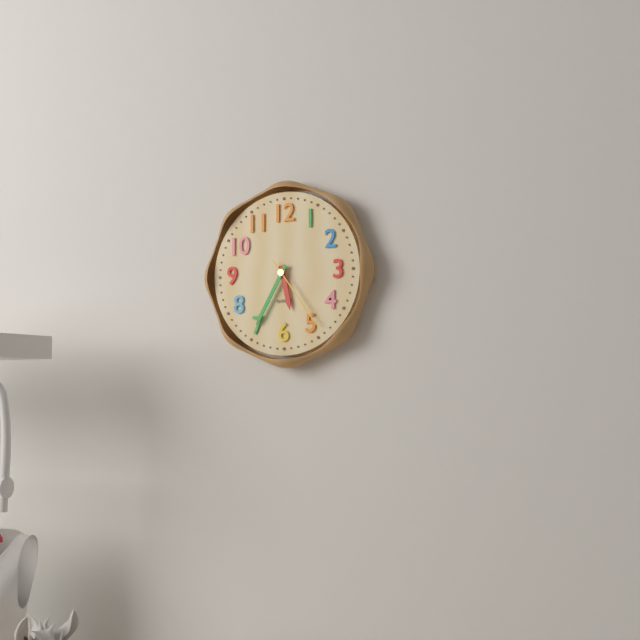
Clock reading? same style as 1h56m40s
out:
5h35m24s
